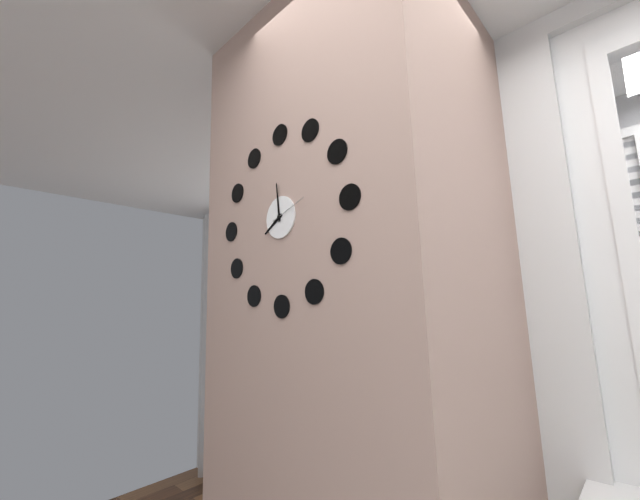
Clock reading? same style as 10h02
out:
7h59
